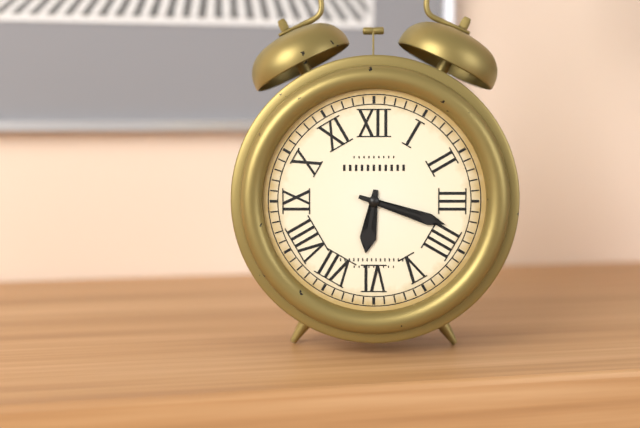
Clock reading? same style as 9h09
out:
6h18
